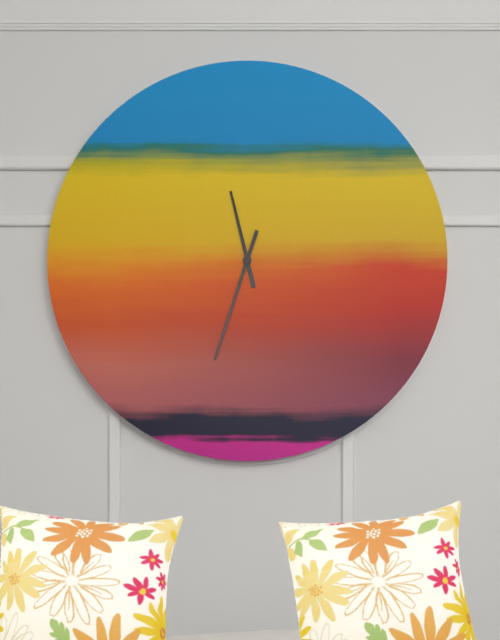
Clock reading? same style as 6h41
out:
11h33
